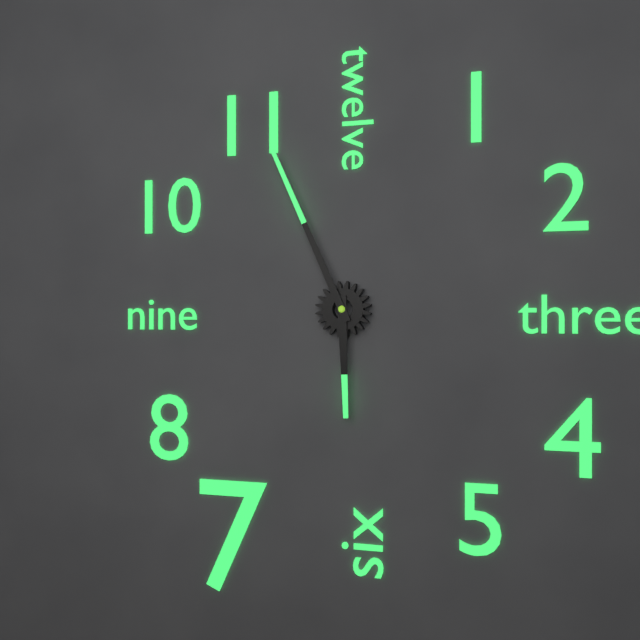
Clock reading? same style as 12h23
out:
5h56
